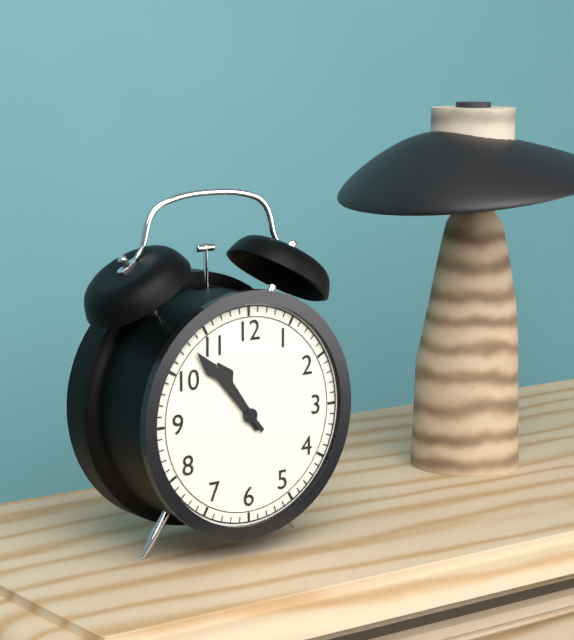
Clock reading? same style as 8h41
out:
10h53
